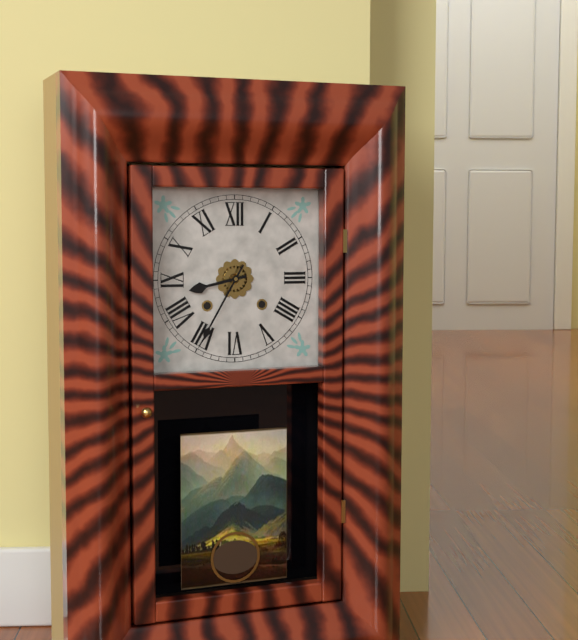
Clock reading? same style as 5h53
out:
8h35
